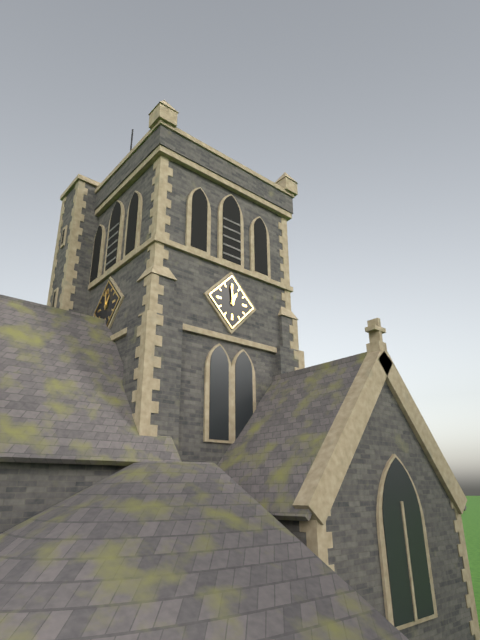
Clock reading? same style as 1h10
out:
12h59
